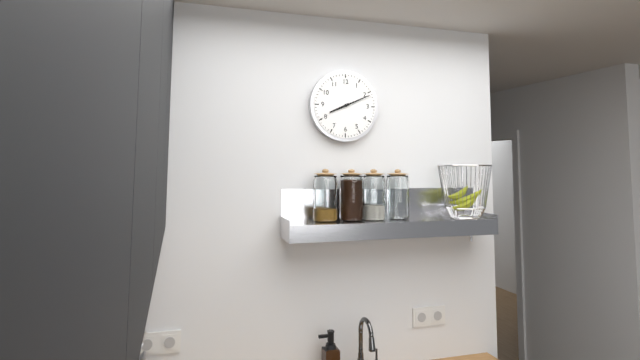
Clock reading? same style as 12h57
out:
8h11
